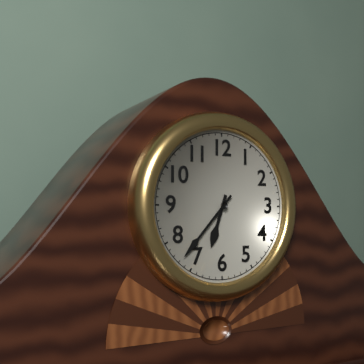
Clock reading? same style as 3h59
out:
6h37
